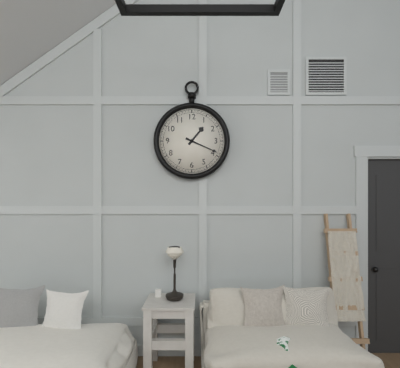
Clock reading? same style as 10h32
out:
1h19
